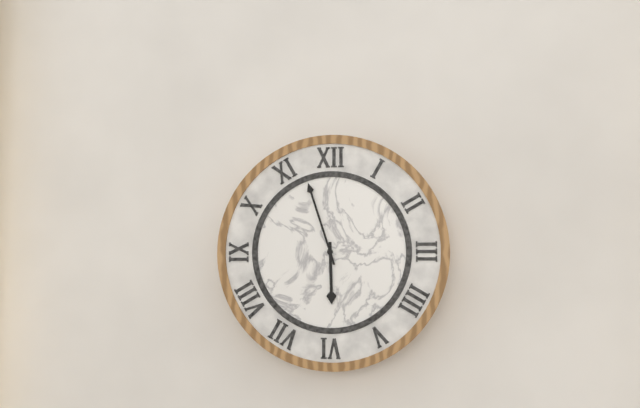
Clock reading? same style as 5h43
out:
5h57
